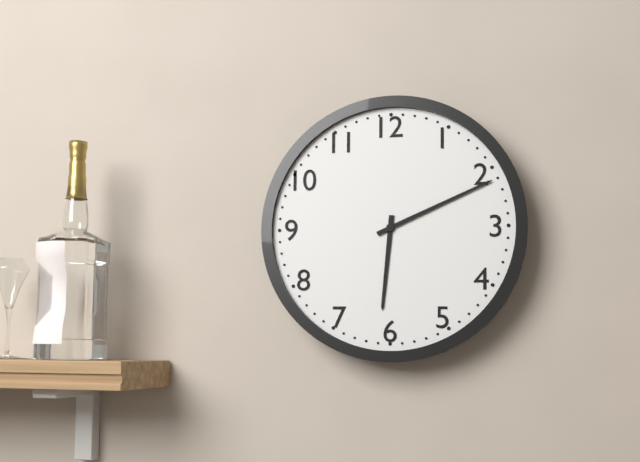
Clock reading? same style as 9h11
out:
6h11
